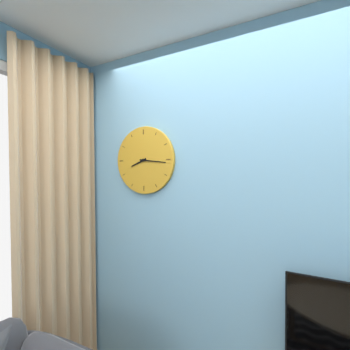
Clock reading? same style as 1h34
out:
8h16
